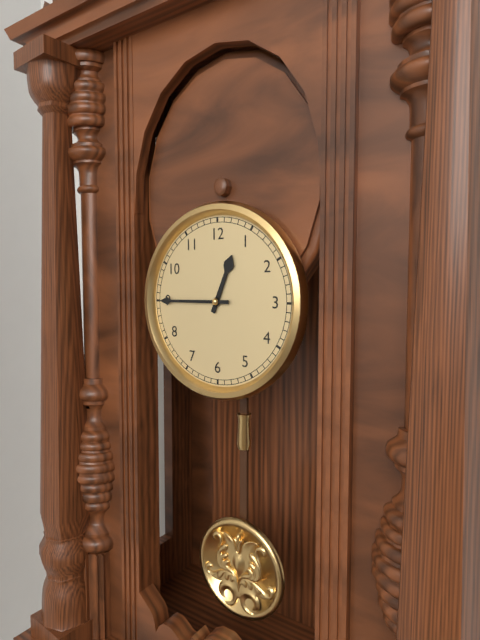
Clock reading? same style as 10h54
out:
12h45
